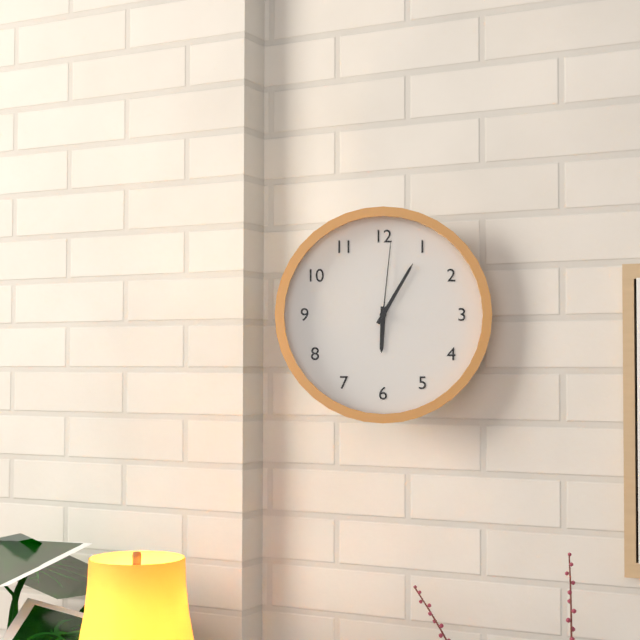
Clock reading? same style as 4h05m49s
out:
6h05m01s
